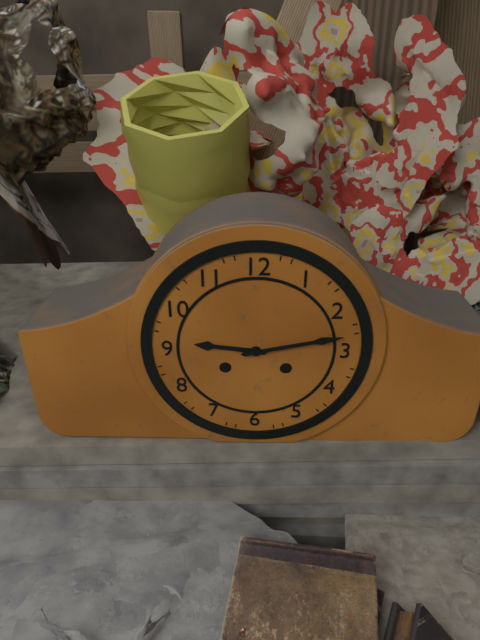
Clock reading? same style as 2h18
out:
9h13
